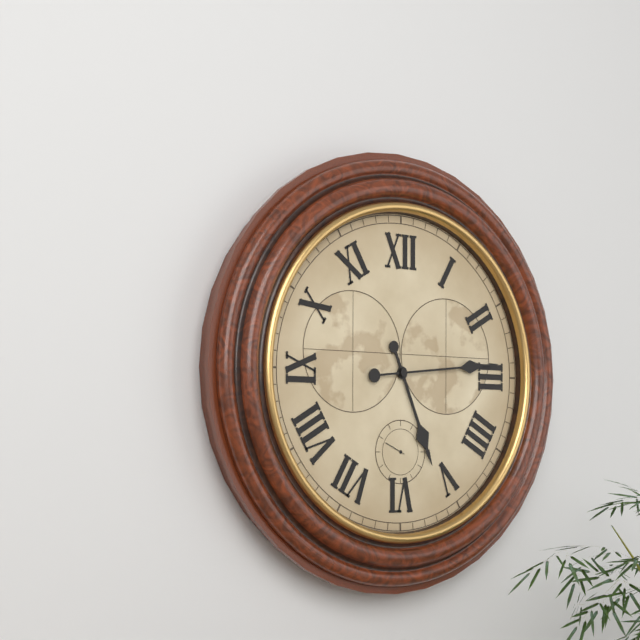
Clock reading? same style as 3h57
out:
5h14
